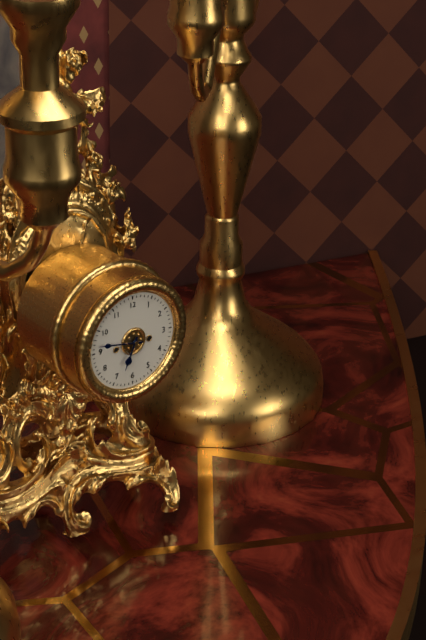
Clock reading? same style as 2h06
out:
6h47
